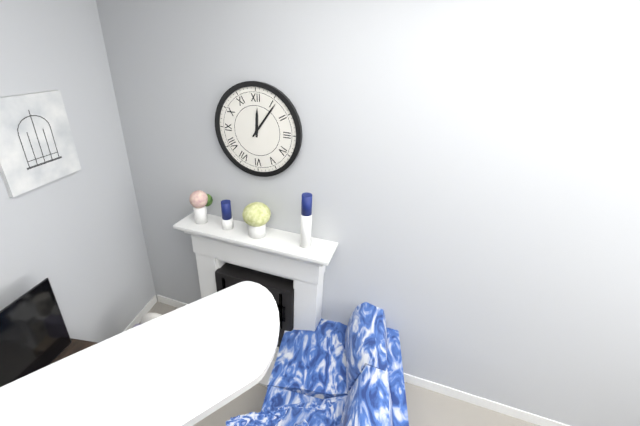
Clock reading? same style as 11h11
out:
12h06
